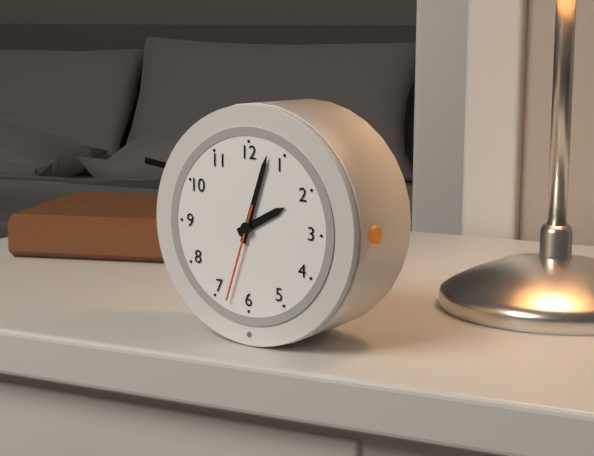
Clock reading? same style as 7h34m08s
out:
2h03m33s
